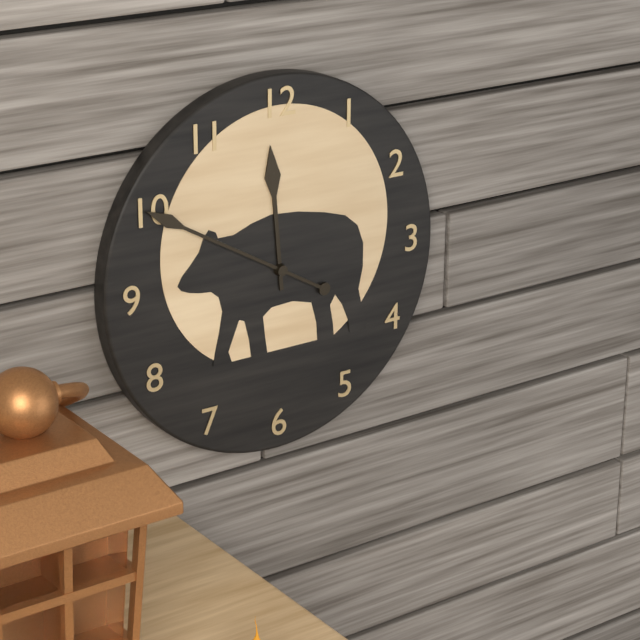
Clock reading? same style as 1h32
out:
11h50
